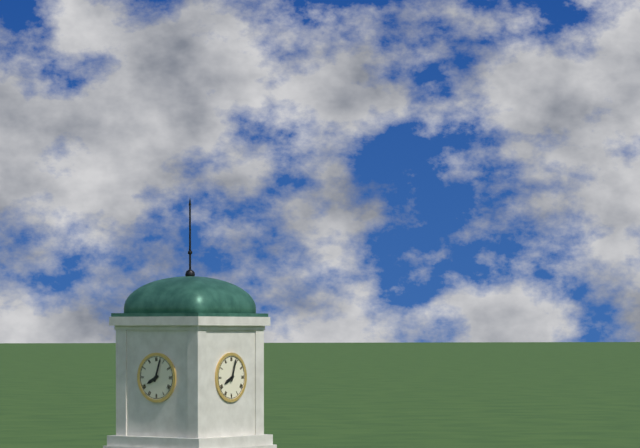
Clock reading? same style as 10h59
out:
8h03
